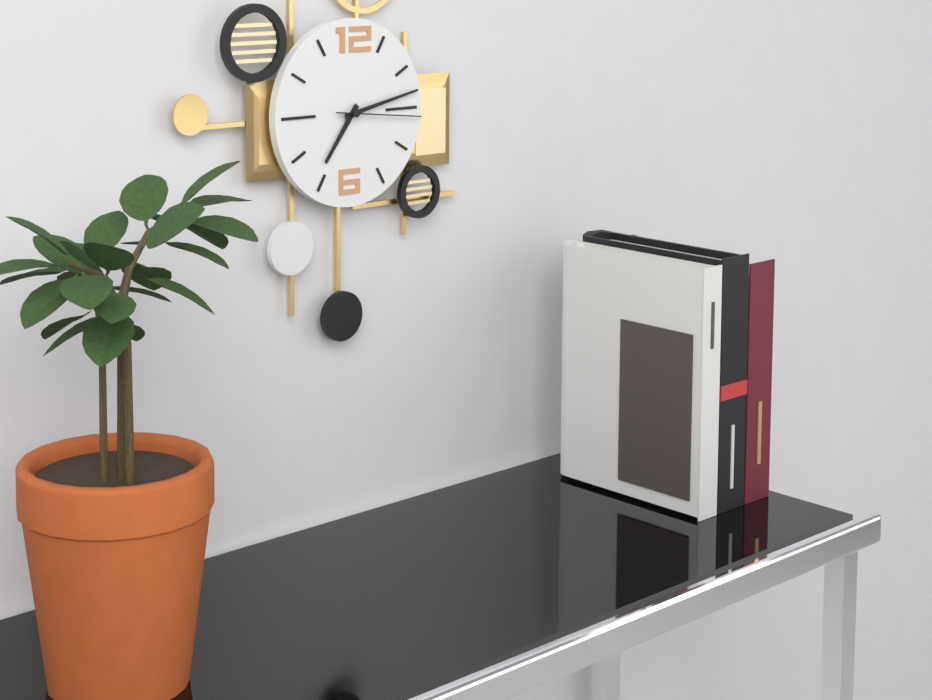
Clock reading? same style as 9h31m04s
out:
7h13m16s
